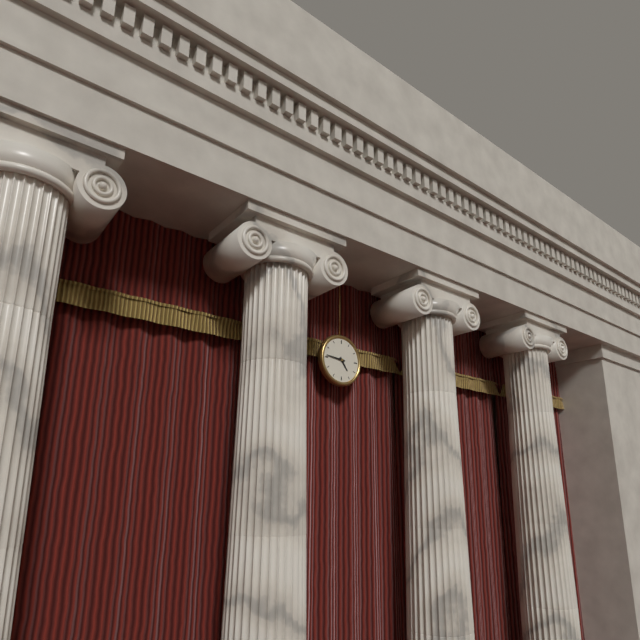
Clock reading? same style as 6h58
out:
4h46
